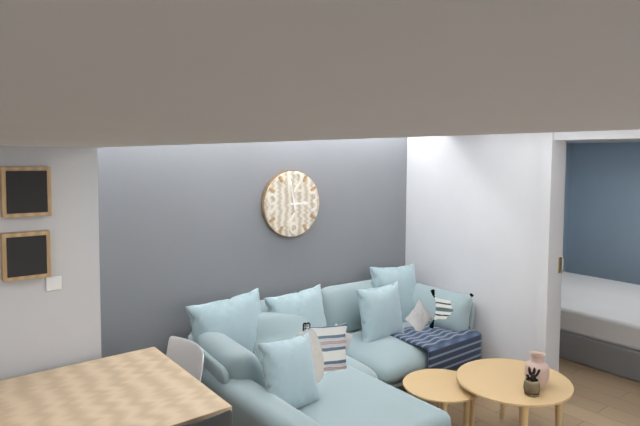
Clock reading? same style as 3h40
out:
2h58
